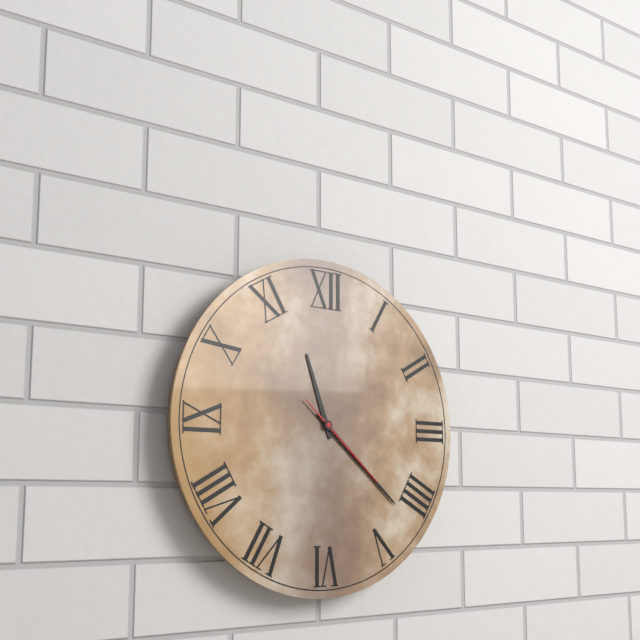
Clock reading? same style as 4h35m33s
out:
11h22m22s
